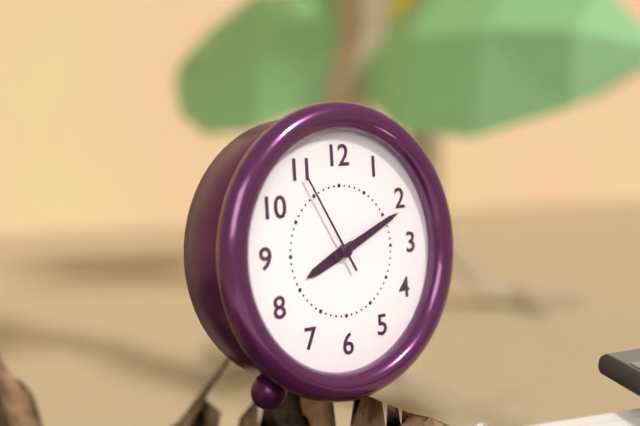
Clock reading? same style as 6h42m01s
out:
8h11m55s
